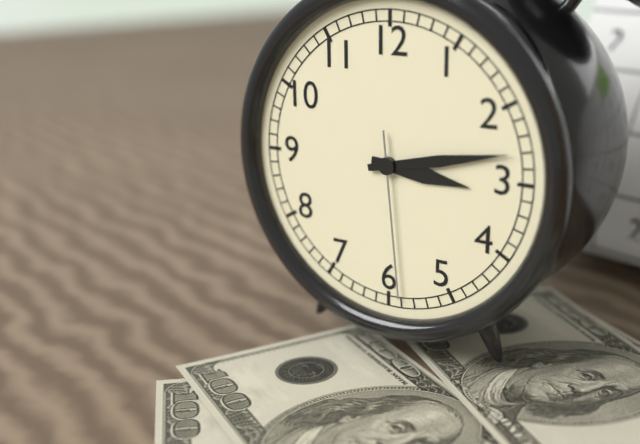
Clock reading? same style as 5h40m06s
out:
3h13m29s
